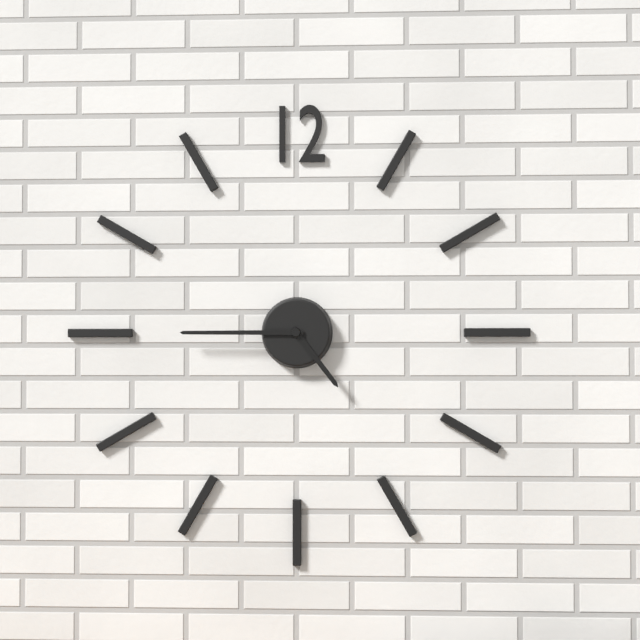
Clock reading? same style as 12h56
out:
4h45
